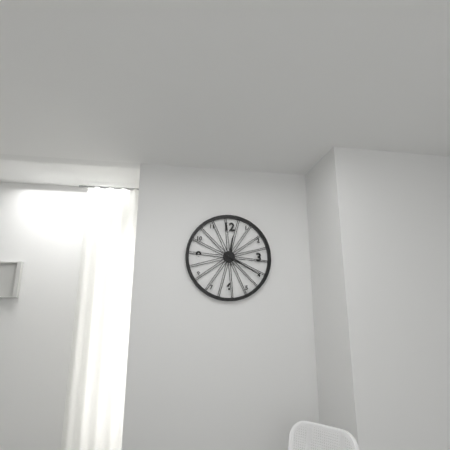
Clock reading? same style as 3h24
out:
12h20
